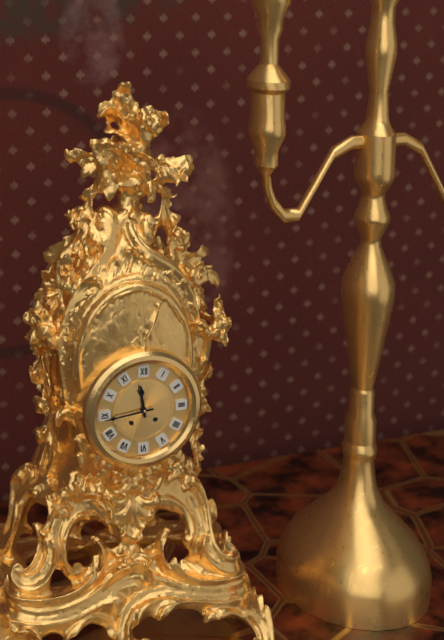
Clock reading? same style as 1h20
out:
11h44
